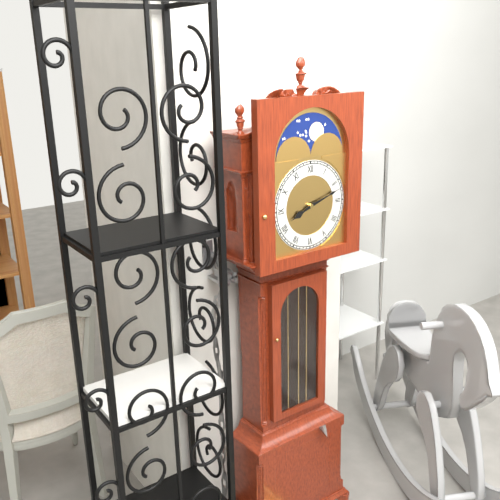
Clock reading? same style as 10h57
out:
8h12
